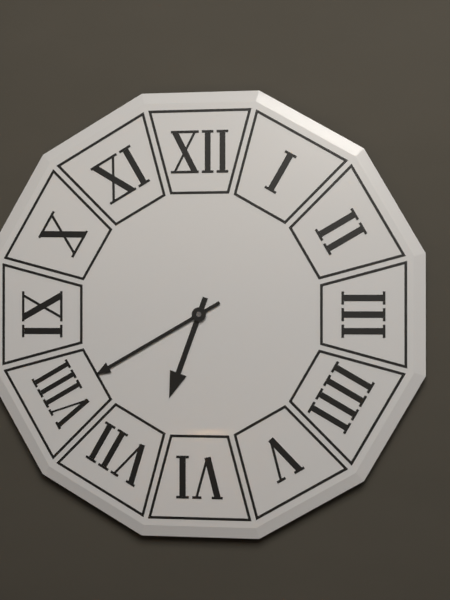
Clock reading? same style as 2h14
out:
6h40
